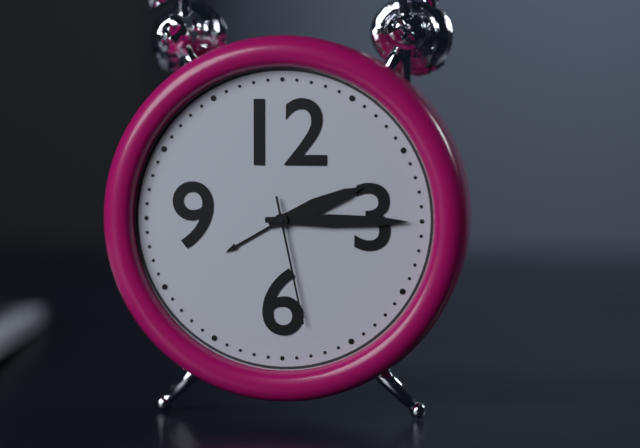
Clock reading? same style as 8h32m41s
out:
2h15m28s
